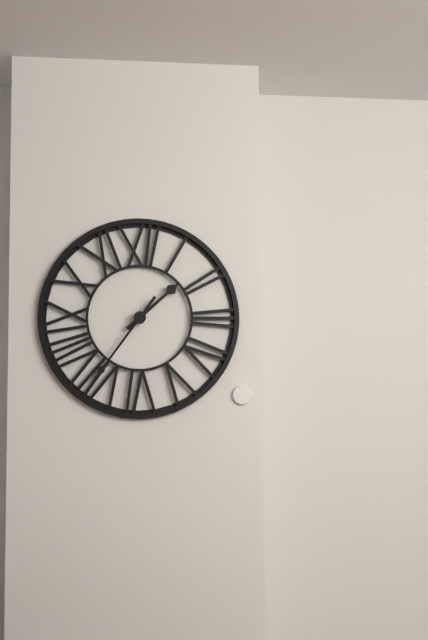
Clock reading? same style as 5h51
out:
1h36
